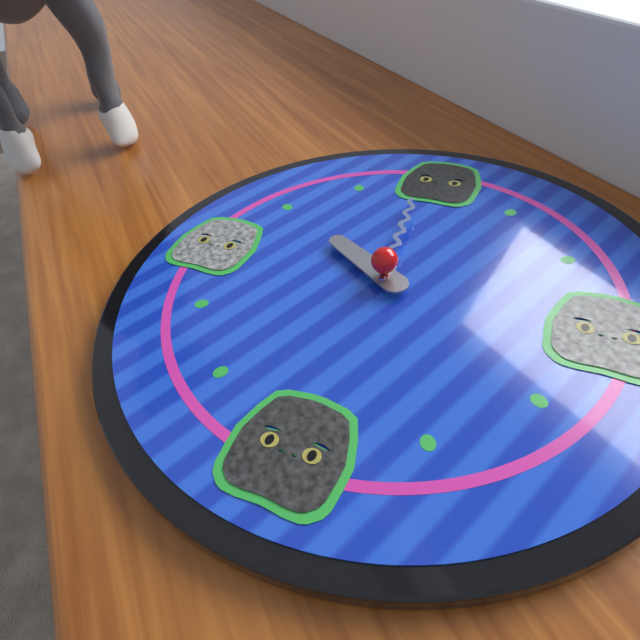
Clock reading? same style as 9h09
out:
9h59
